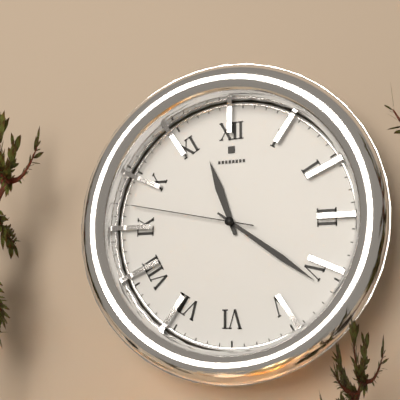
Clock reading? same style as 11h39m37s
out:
11h21m47s
